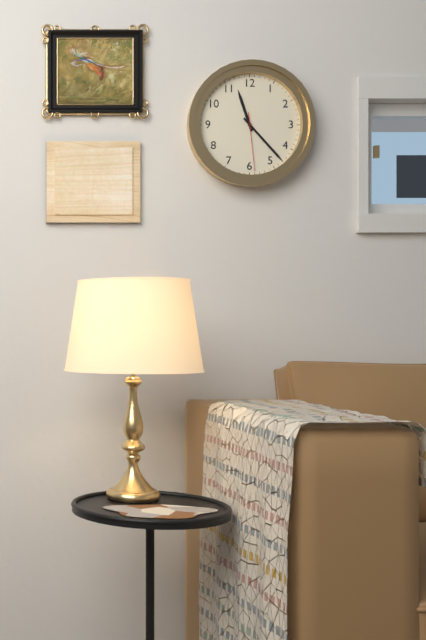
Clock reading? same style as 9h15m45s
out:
11h23m29s
